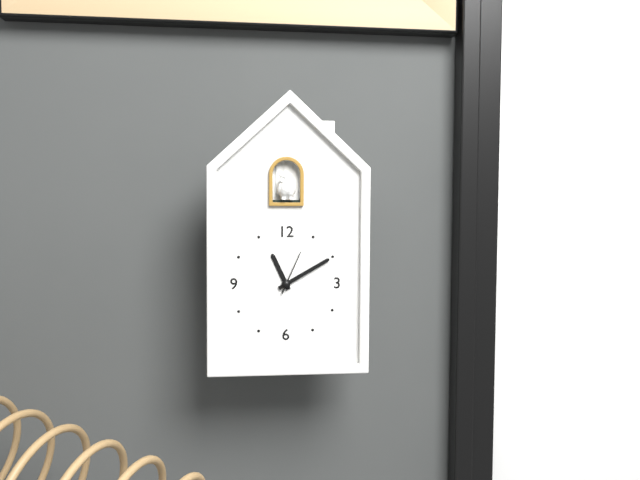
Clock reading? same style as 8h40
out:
11h10
